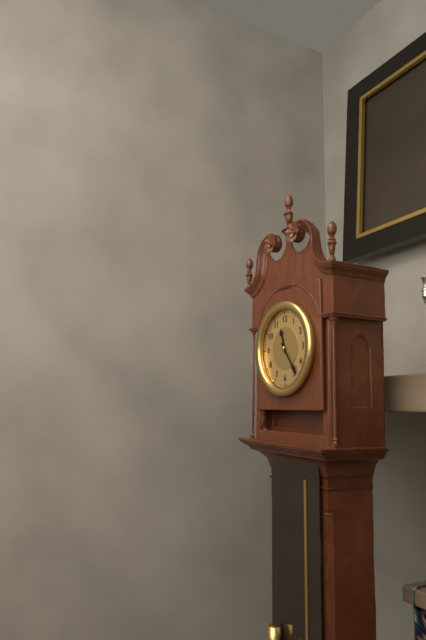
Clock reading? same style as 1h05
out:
11h24
